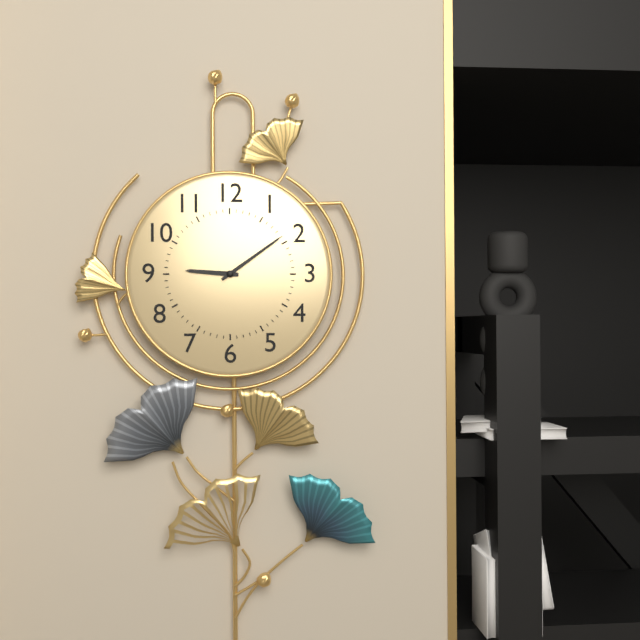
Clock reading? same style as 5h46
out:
9h09
